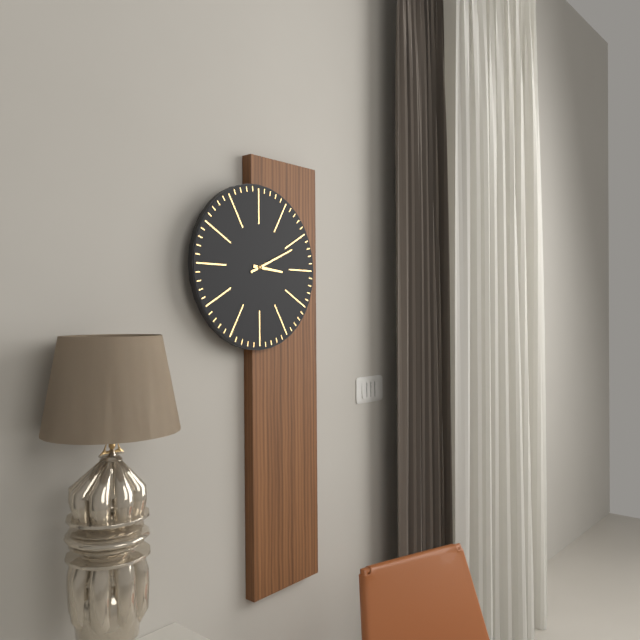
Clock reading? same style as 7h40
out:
3h11
